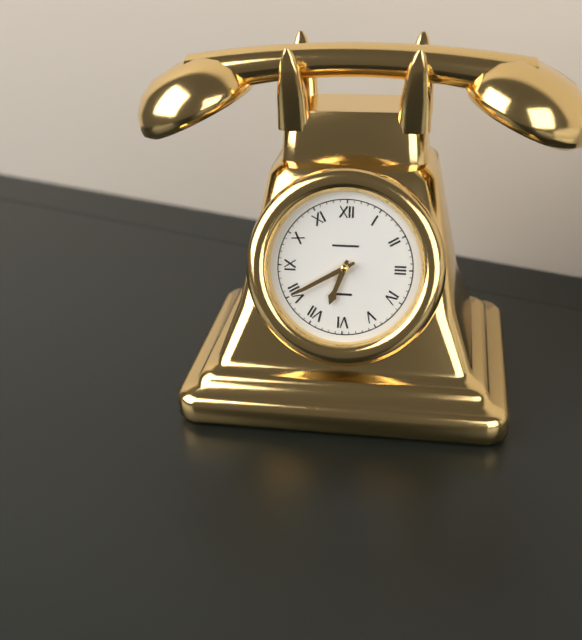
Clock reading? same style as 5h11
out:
6h40
